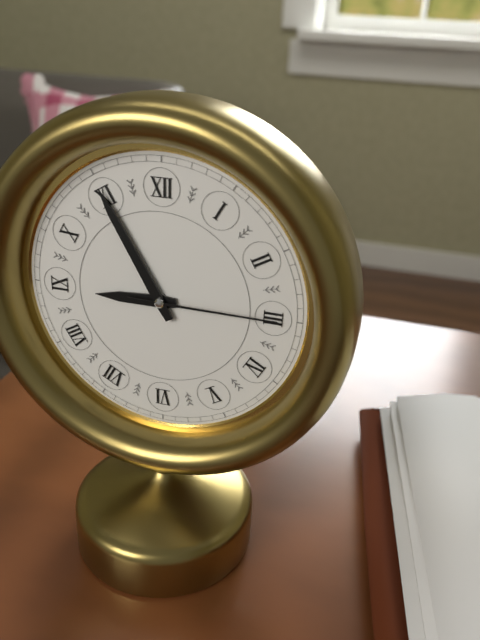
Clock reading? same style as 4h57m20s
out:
8h55m15s
